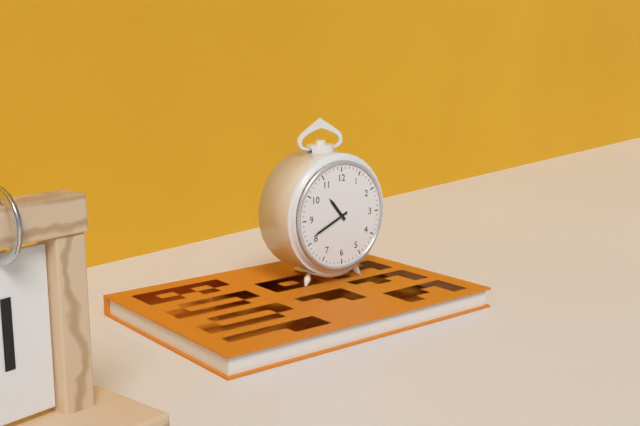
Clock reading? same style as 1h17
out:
10h41
